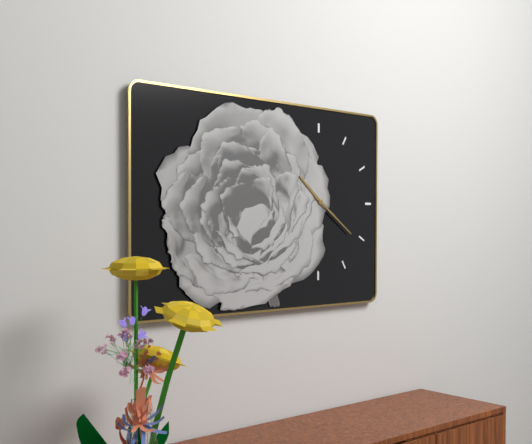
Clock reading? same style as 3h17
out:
10h21
